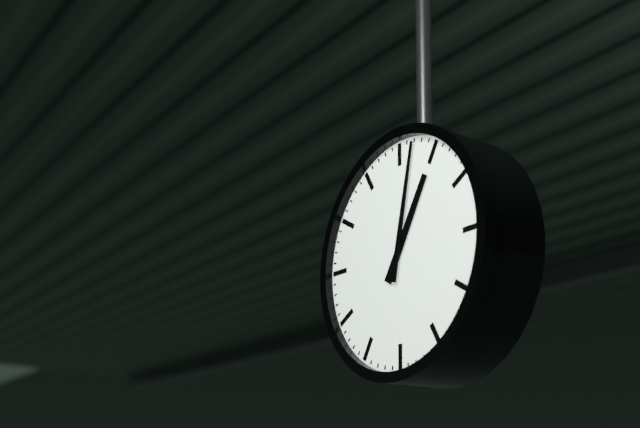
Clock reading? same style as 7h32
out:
1h02
